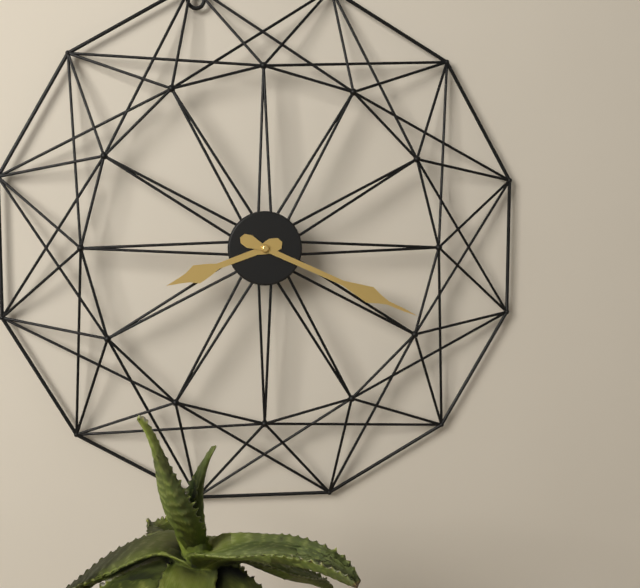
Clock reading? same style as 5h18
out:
8h19
